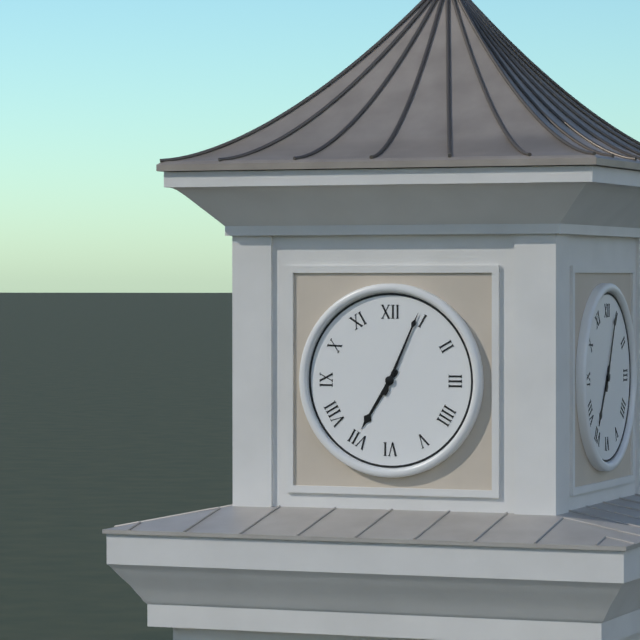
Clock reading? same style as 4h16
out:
7h04
